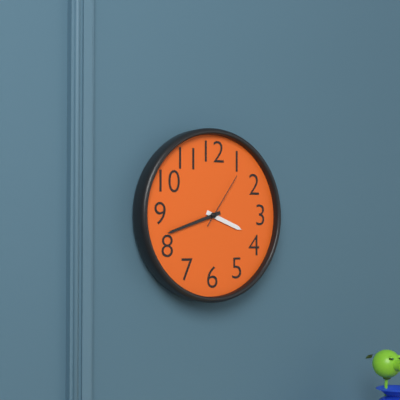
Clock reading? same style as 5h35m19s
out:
3h42m06s
